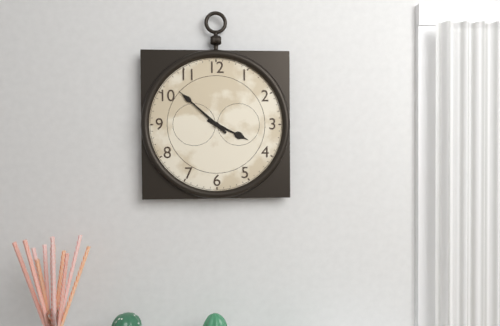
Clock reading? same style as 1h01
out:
3h52
